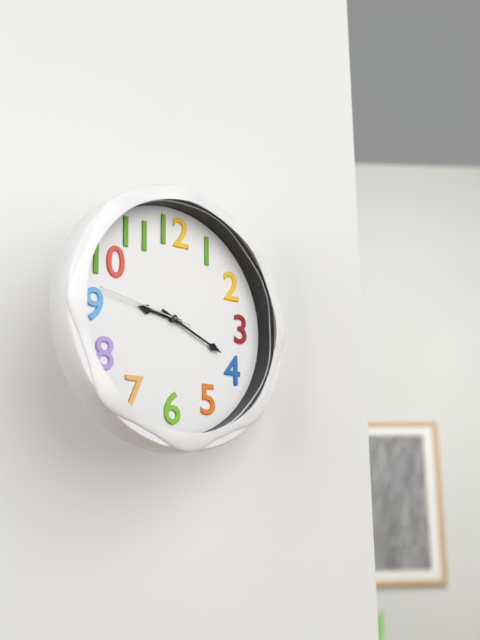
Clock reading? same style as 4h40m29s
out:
9h19m47s
